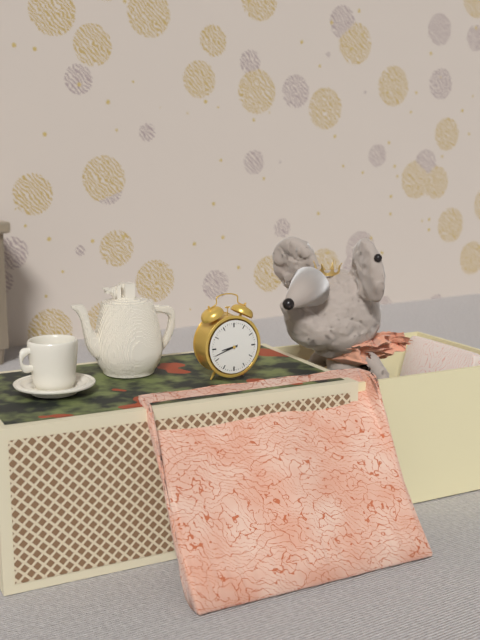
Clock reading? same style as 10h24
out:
8h42
